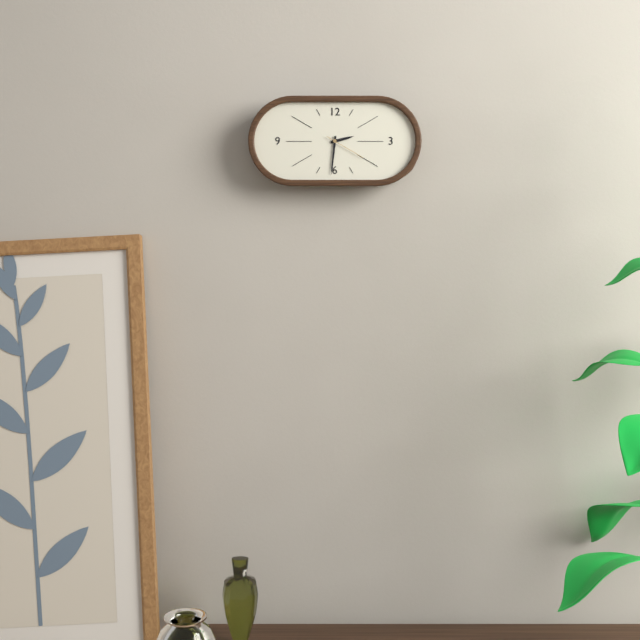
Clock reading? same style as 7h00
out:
2h31
